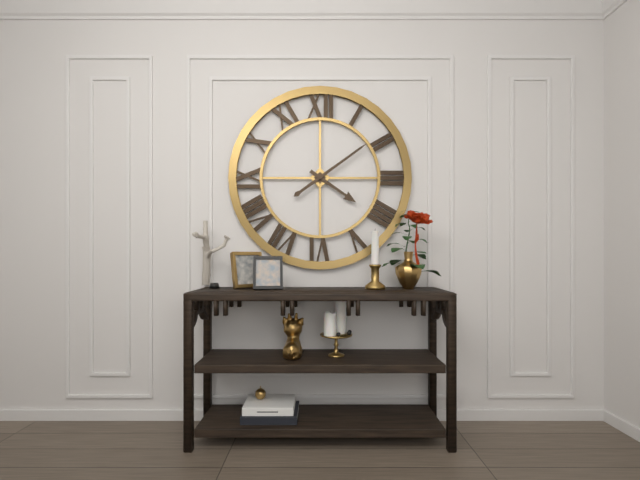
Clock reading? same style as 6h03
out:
4h09
